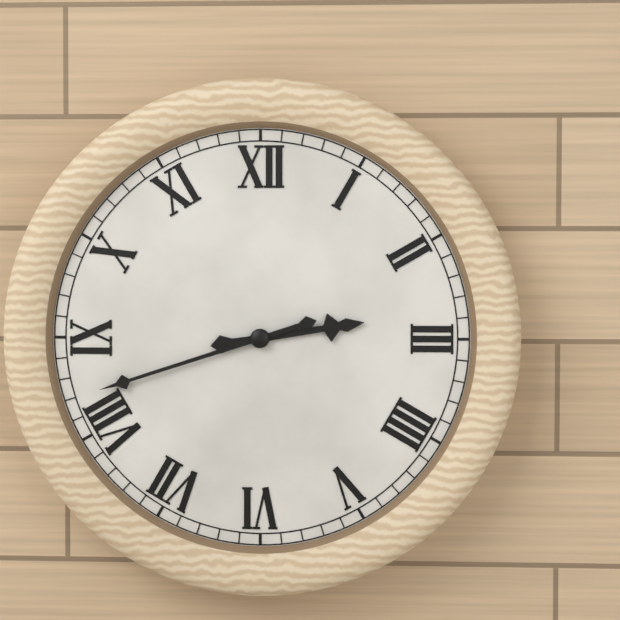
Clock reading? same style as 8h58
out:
2h42
